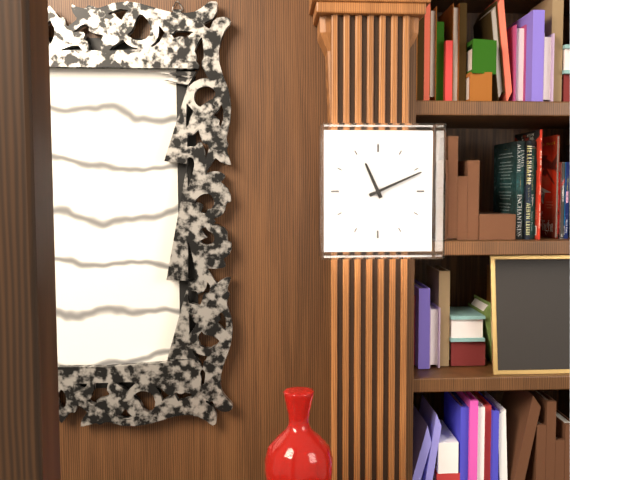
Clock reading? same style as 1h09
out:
11h11
